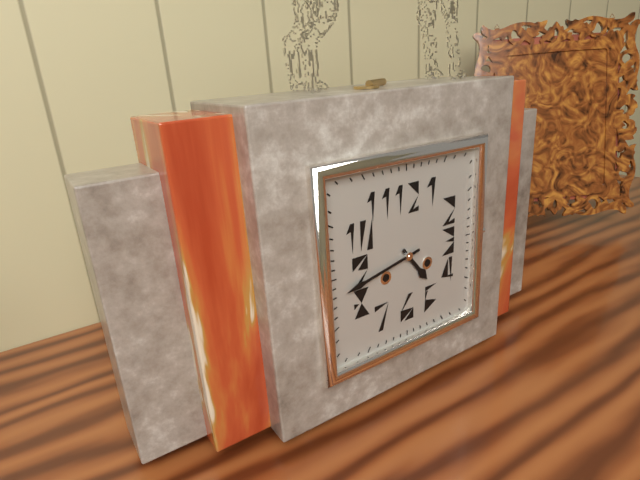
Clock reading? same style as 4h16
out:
4h43
